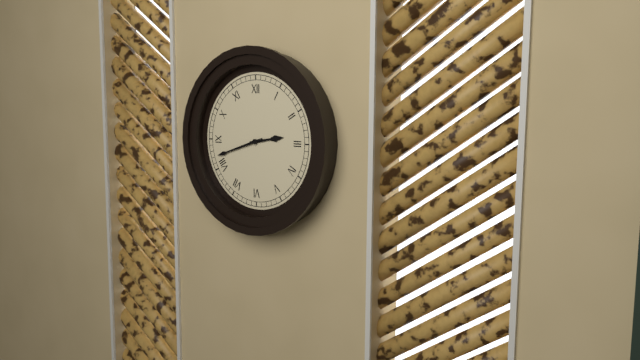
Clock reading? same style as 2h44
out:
2h42
